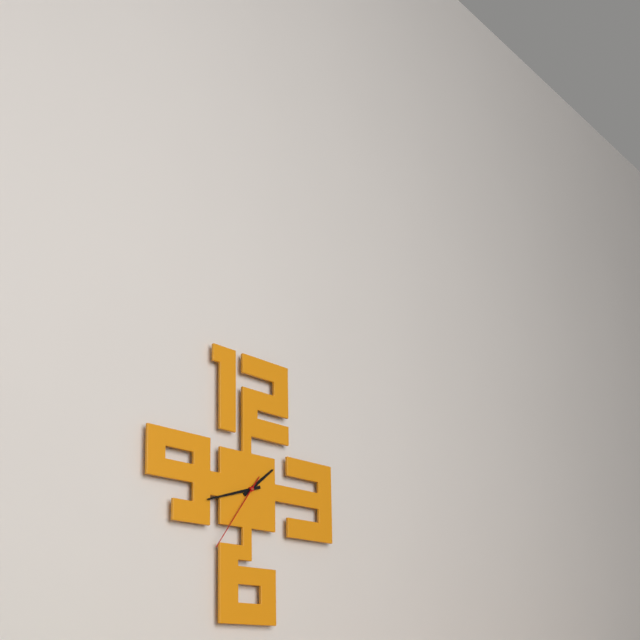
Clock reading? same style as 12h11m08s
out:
1h42m36s
